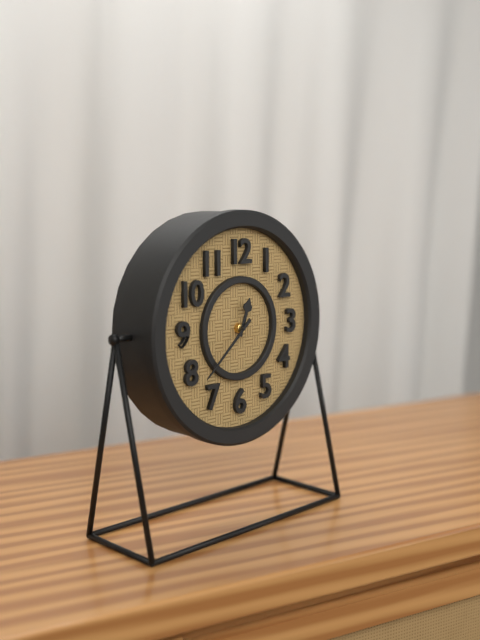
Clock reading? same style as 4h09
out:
12h38
